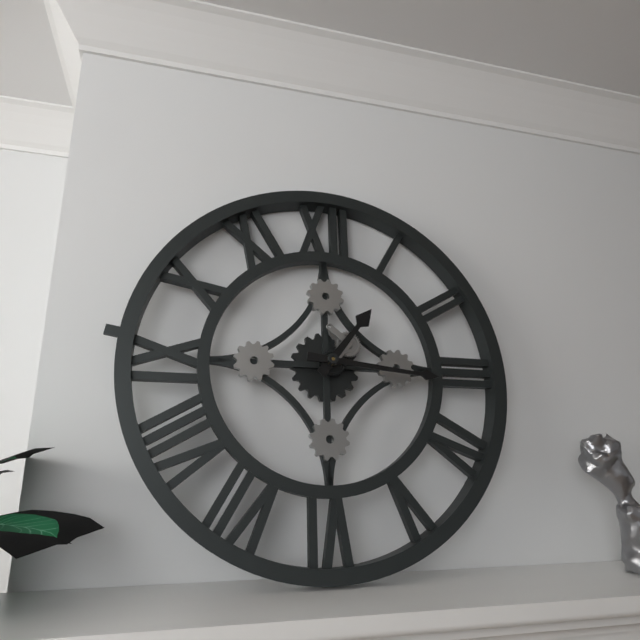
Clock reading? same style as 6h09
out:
1h16
